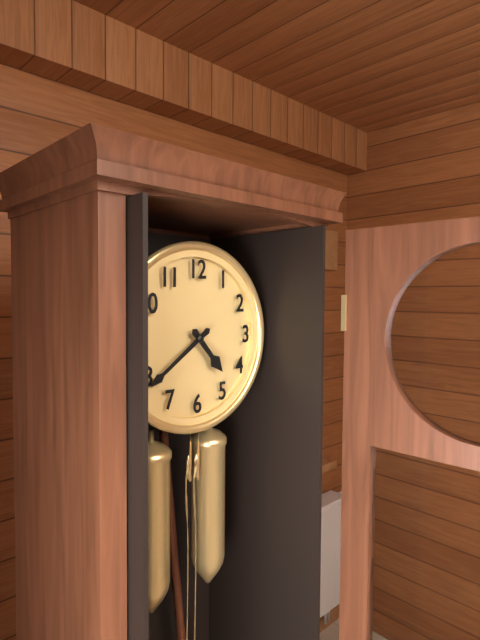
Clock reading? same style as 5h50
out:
4h39
